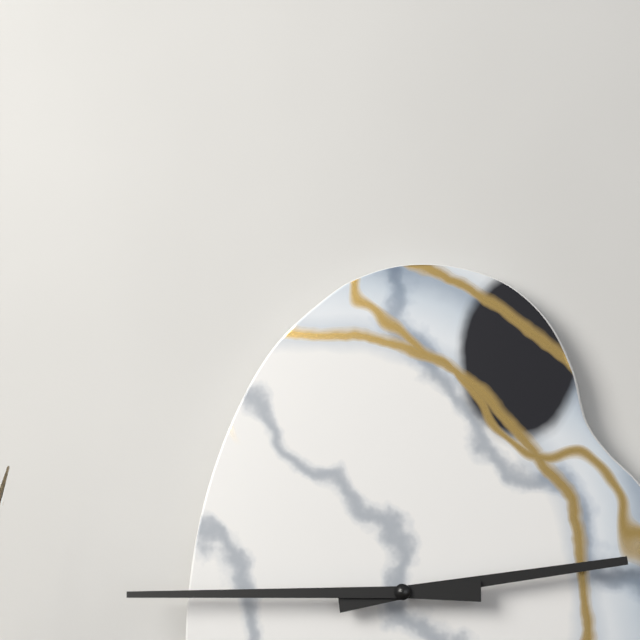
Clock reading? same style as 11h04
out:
2h45
